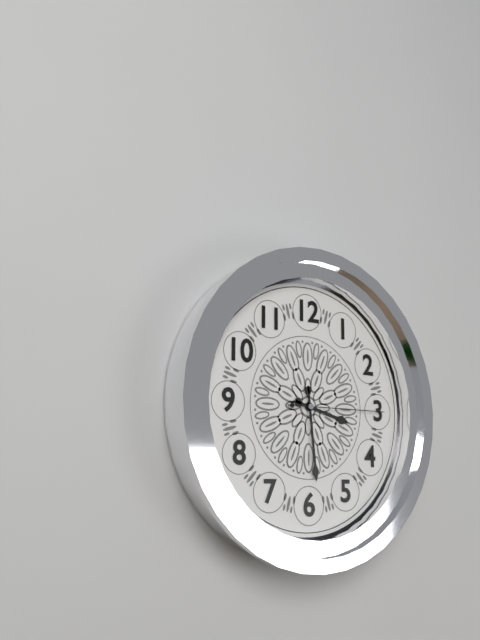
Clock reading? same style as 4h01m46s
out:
3h29m15s
